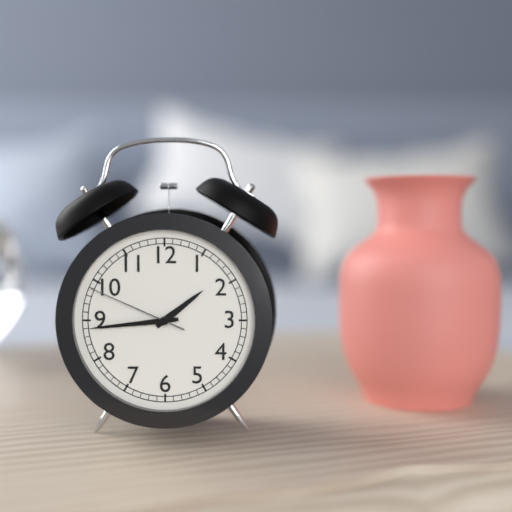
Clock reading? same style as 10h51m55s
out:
1h44m49s
